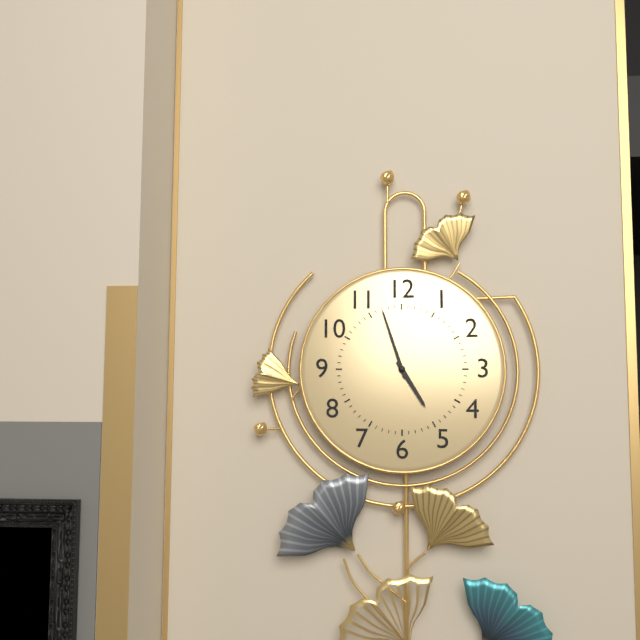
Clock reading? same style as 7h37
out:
4h57
